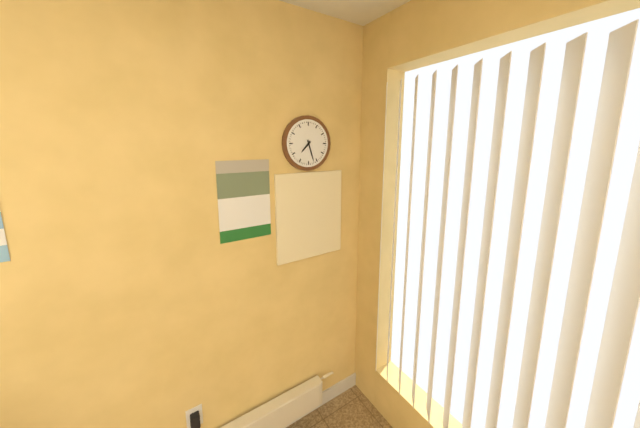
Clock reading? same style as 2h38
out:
7h27
